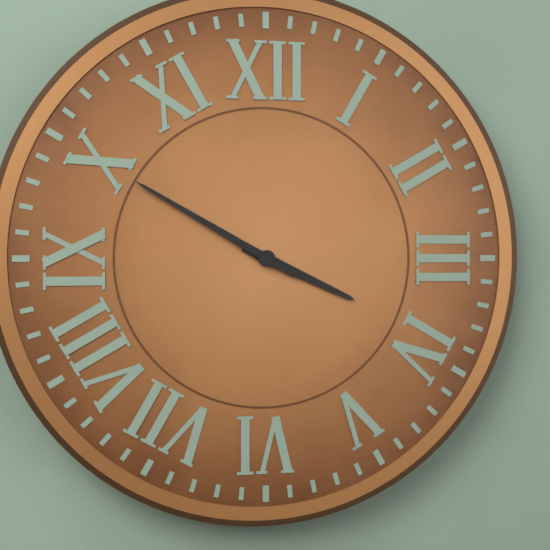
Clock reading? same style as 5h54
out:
3h50
